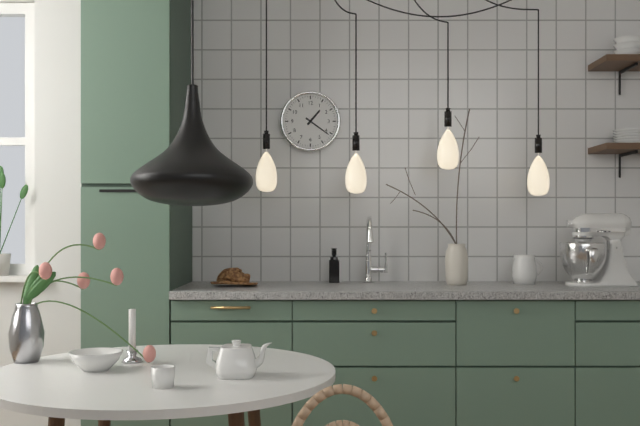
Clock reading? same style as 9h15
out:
1h21
